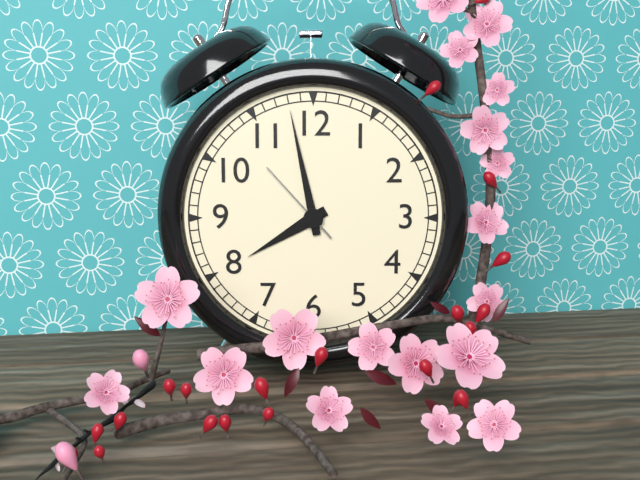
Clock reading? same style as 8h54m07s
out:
7h58m53s
